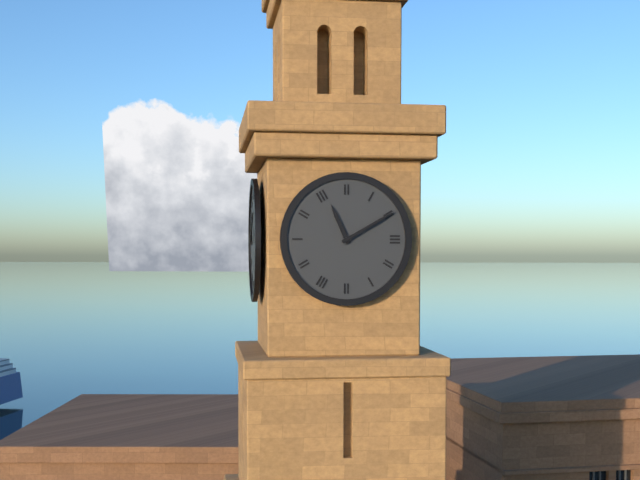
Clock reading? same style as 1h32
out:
11h10
